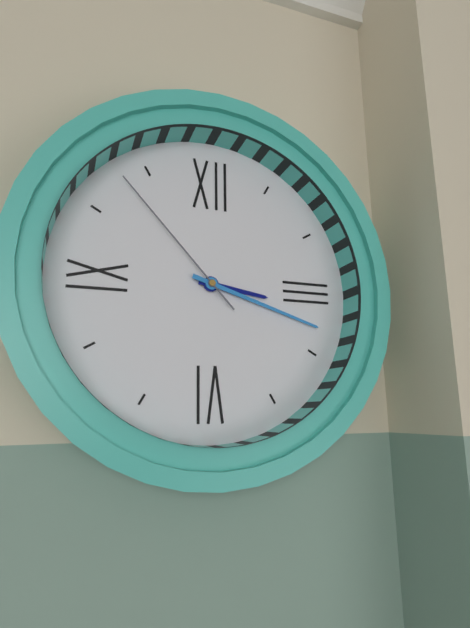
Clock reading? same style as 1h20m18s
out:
3h18m53s
